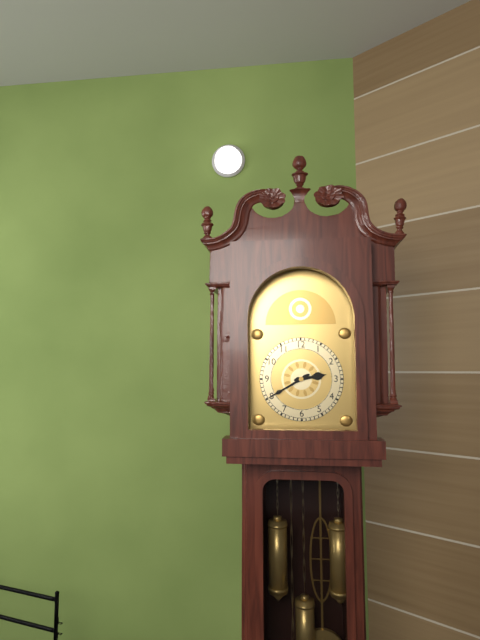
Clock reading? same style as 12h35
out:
2h40
